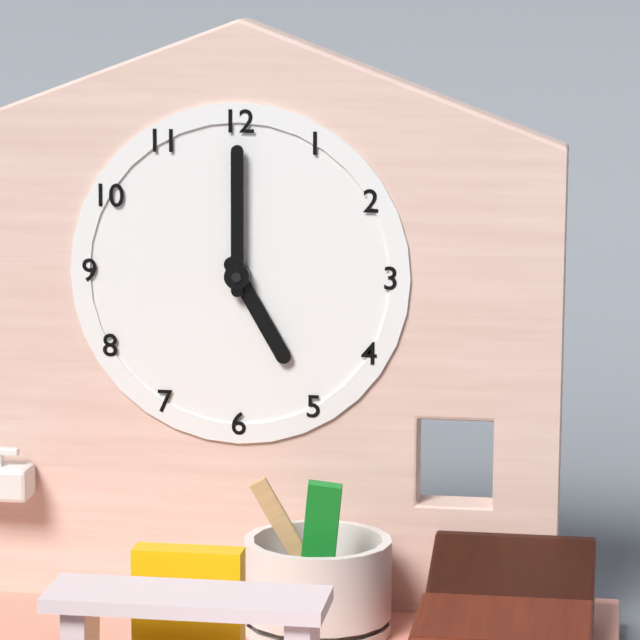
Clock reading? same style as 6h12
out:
5h00
